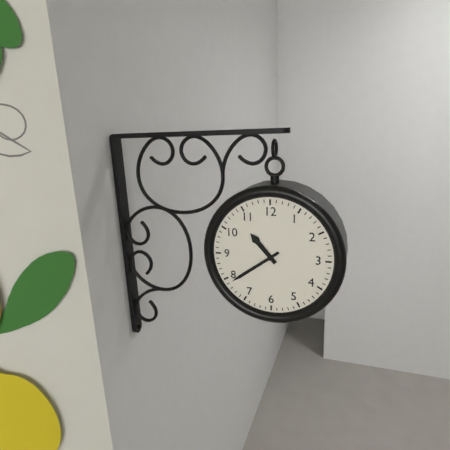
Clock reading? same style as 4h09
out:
10h39
